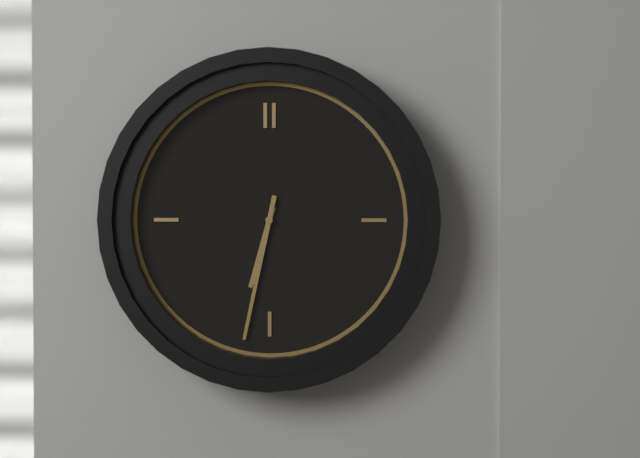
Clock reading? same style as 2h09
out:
6h32
